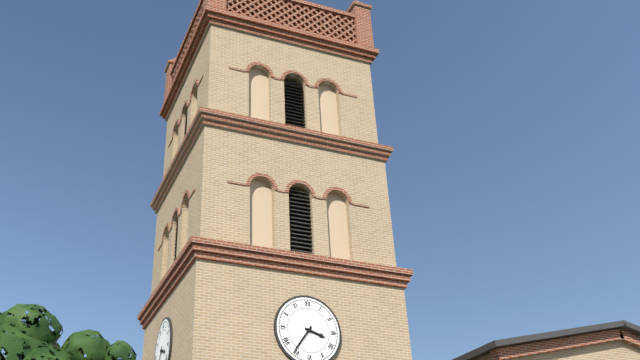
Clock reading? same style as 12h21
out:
3h36
